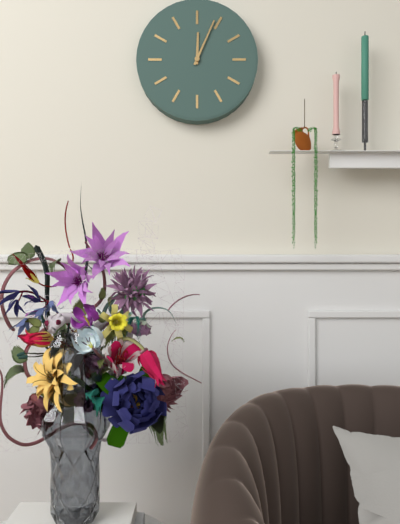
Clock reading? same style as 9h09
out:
12h04
